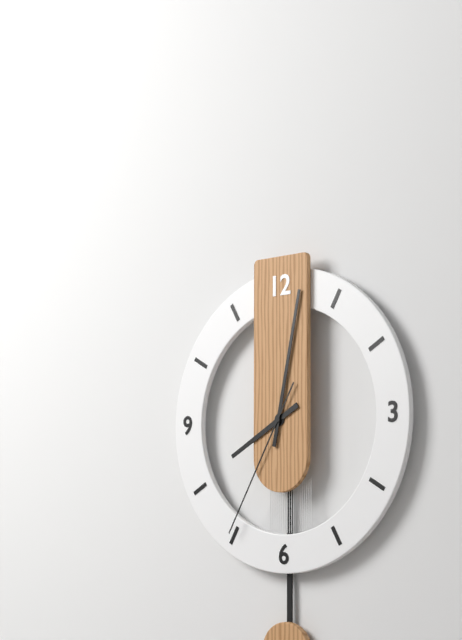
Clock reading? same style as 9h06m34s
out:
8h02m35s
